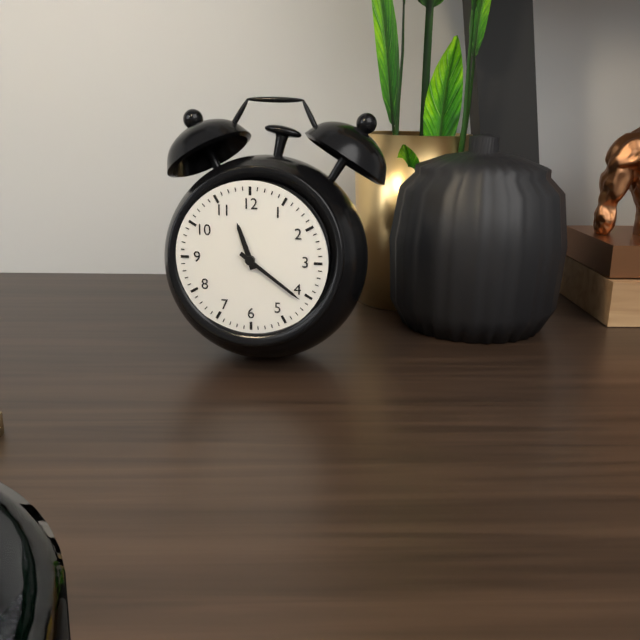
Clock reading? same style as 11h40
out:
11h21
